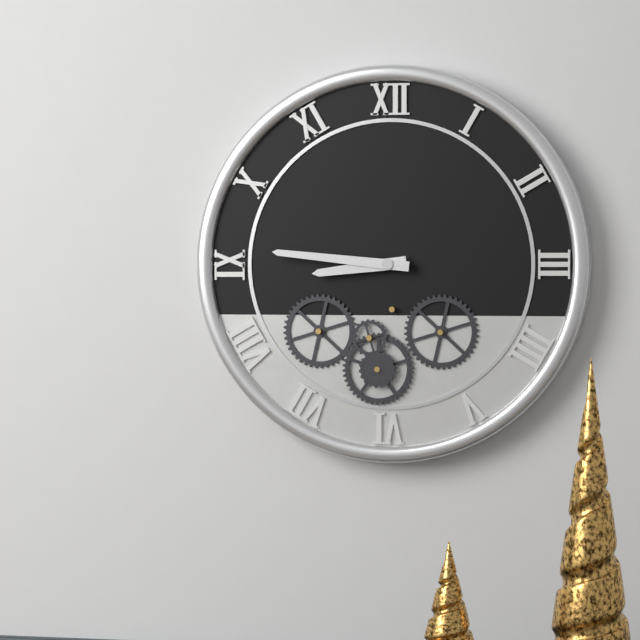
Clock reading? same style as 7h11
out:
8h46
